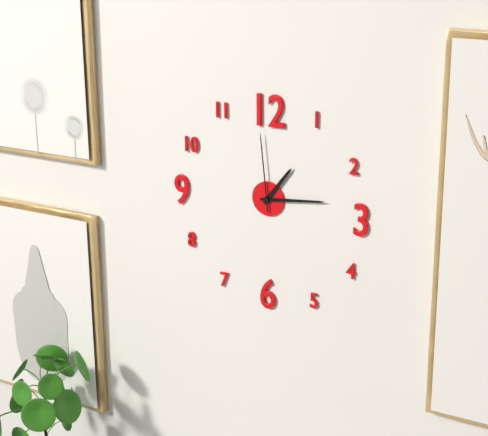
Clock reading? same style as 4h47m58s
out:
1h14m59s
